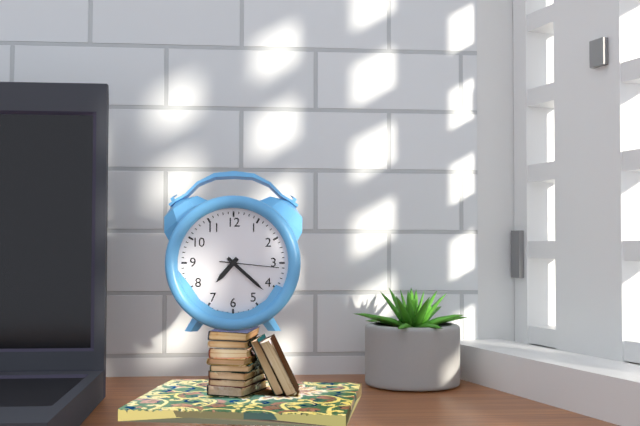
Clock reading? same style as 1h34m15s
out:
7h22m16s
